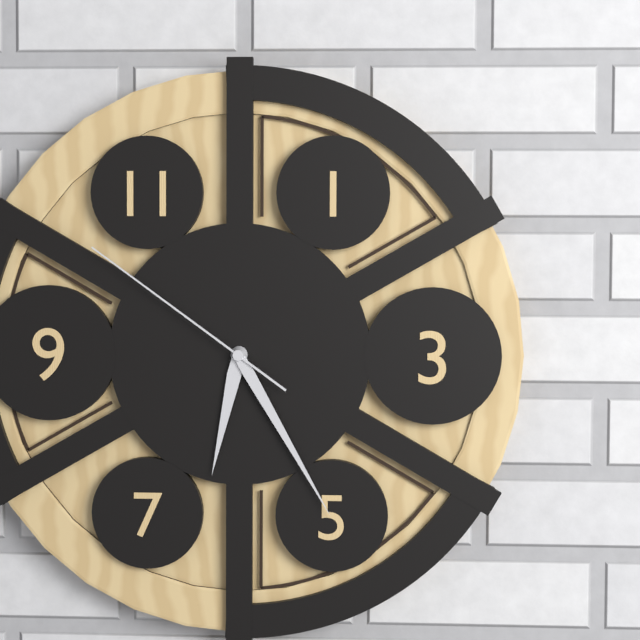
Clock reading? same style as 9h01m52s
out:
6h25m51s
